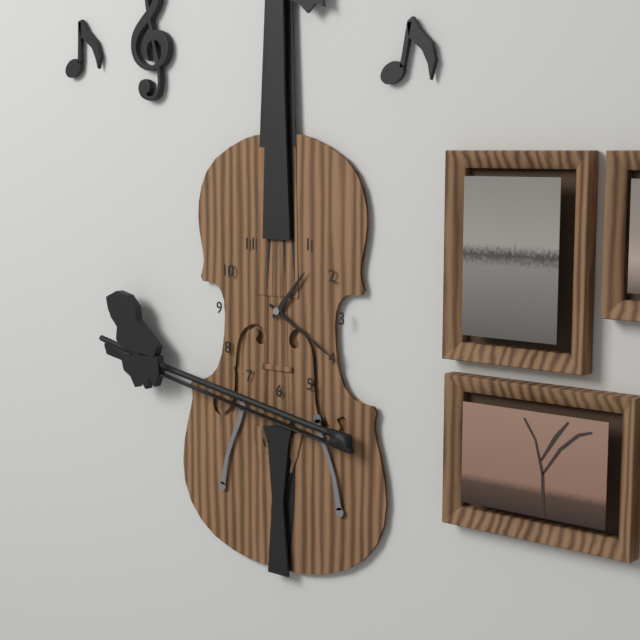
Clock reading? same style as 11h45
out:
1h20
